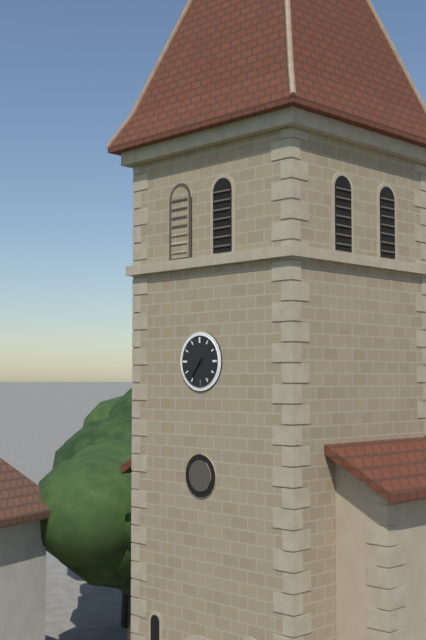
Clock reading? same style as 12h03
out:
7h36
